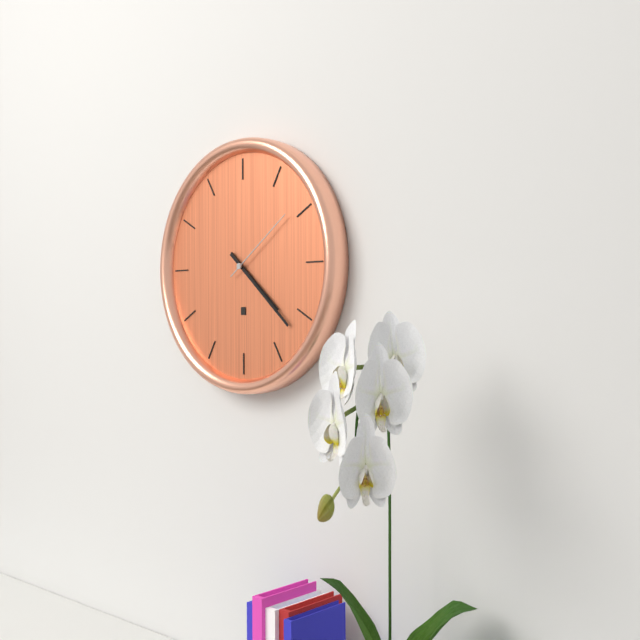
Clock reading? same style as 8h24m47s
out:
4h22m09s
